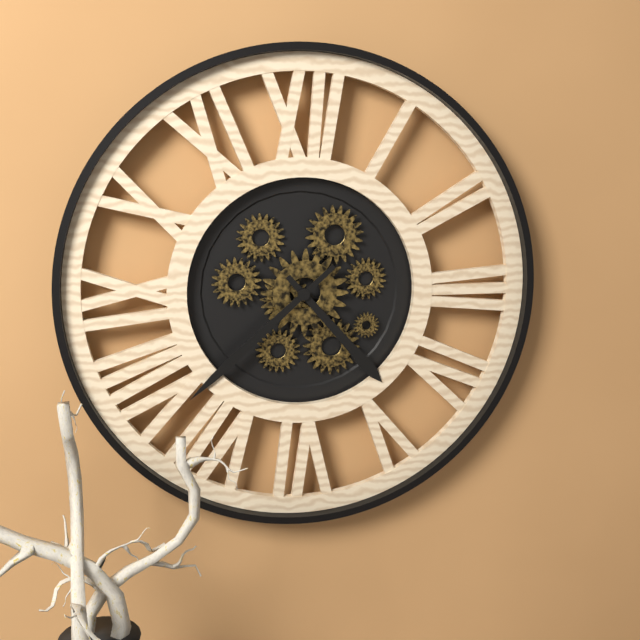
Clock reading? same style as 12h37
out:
4h38
